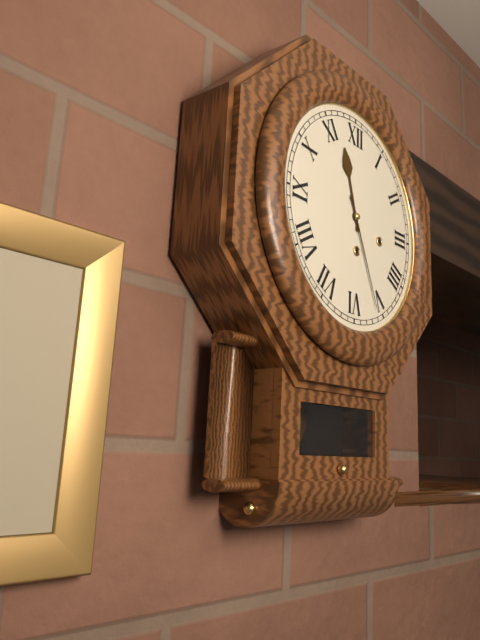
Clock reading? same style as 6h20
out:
11h26
